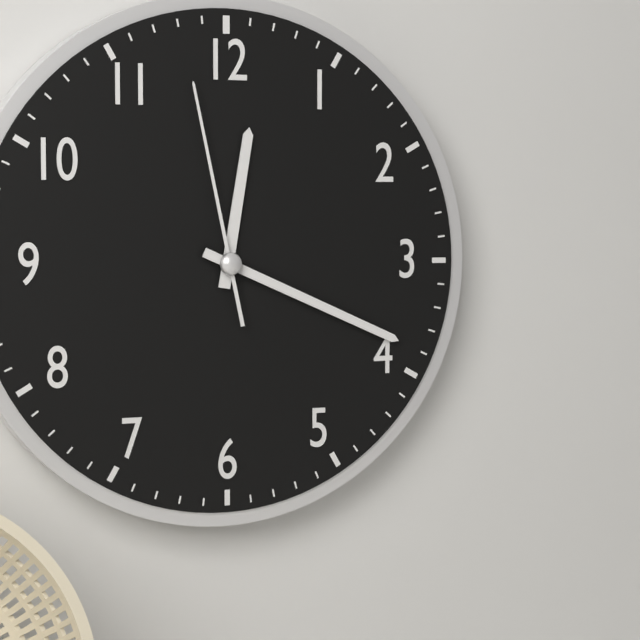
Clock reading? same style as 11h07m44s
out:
12h19m58s
